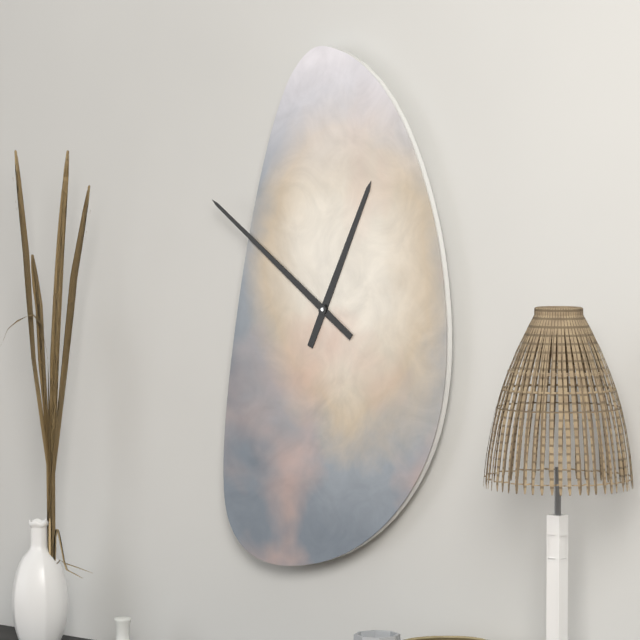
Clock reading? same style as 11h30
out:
12h51
